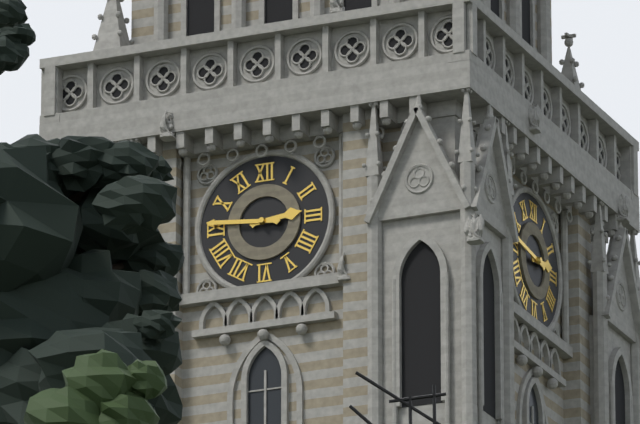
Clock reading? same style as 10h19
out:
2h46
